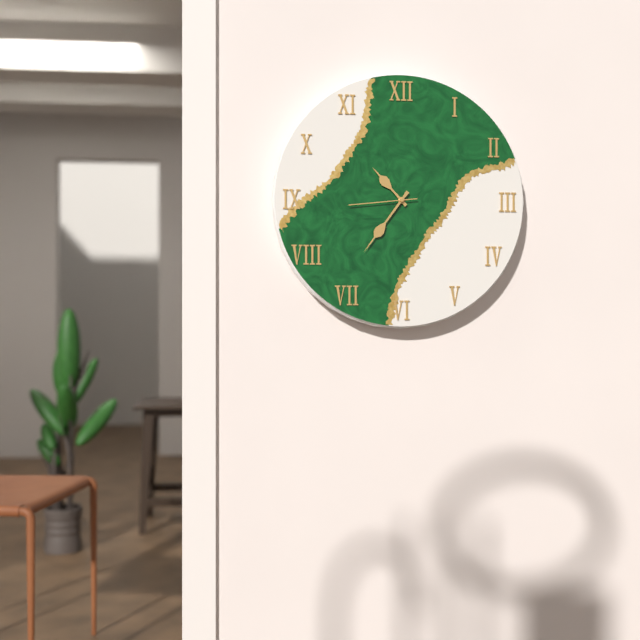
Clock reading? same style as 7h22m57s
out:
10h36m44s
